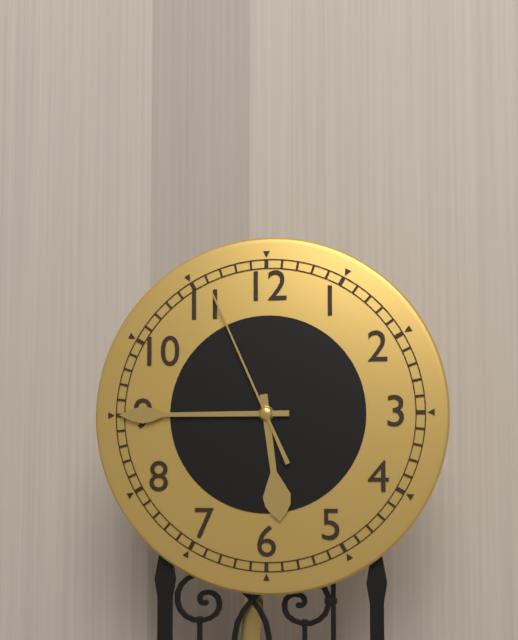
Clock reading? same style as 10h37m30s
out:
5h45m56s
